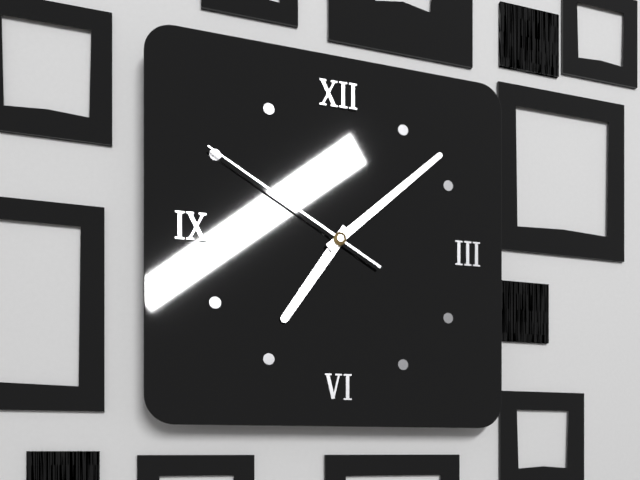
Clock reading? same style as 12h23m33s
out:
7h08m50s
